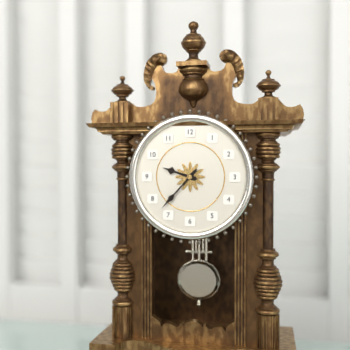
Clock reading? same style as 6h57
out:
9h37
